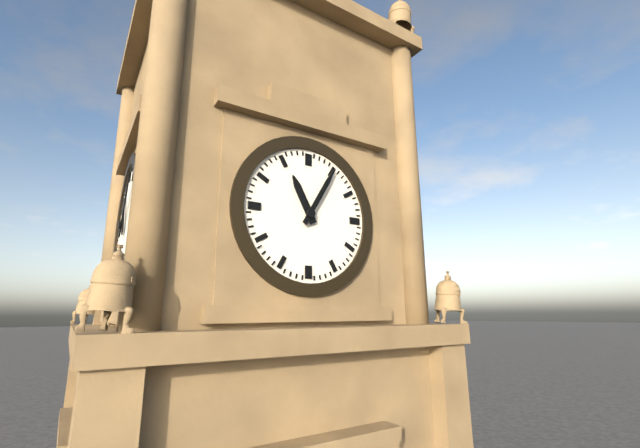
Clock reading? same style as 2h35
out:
11h05
